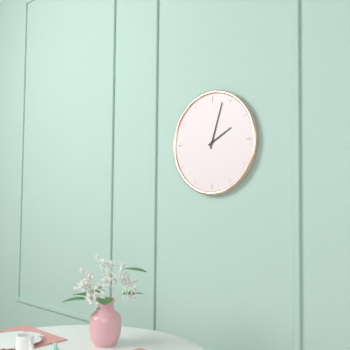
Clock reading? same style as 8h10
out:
2h03
